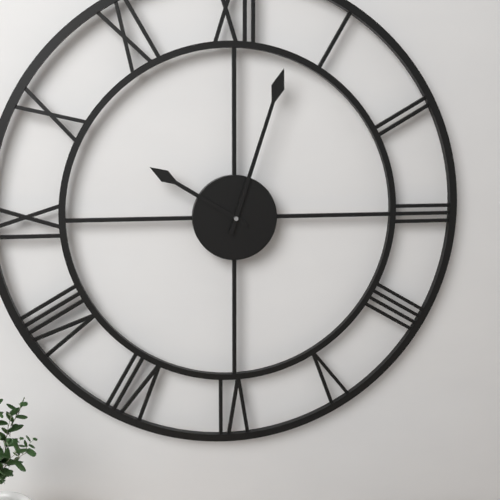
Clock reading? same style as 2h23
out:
10h03
